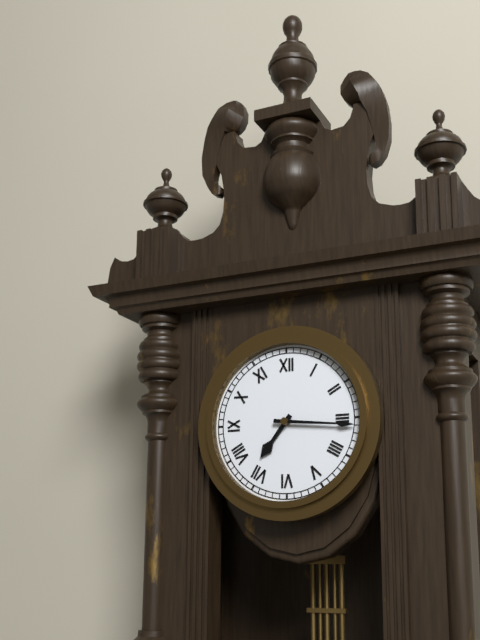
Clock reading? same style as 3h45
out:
7h16
